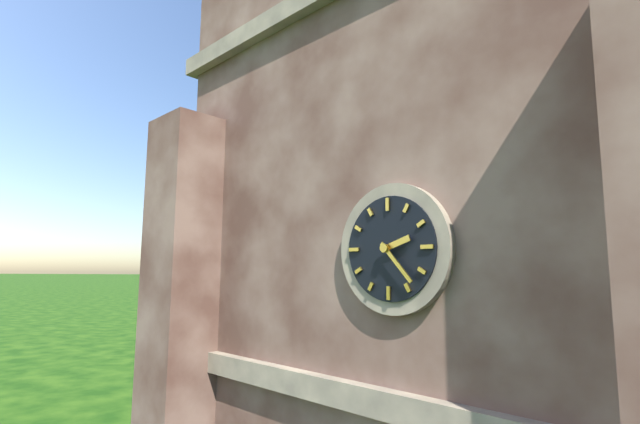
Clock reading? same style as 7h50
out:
2h23
